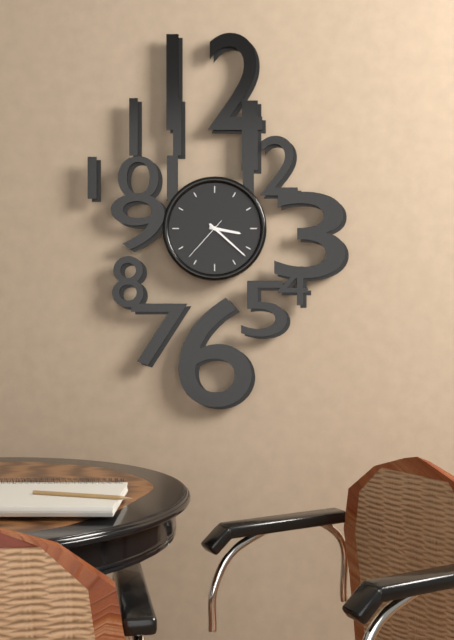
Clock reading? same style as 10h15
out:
3h22
